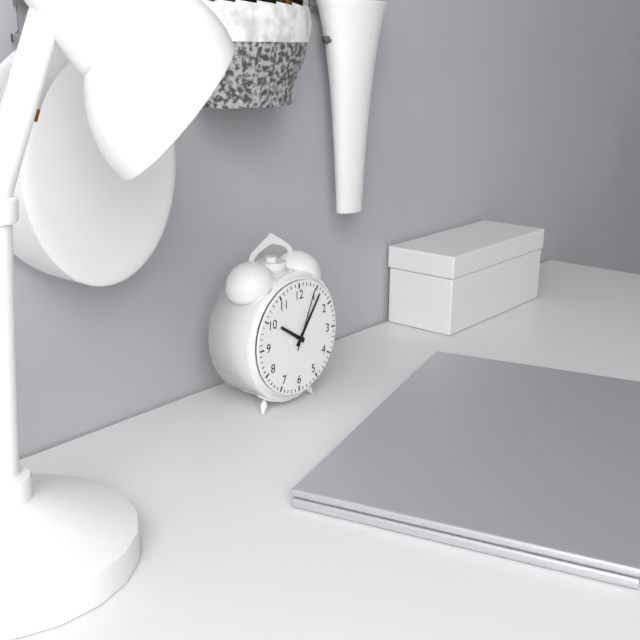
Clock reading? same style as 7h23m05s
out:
10h06m04s
